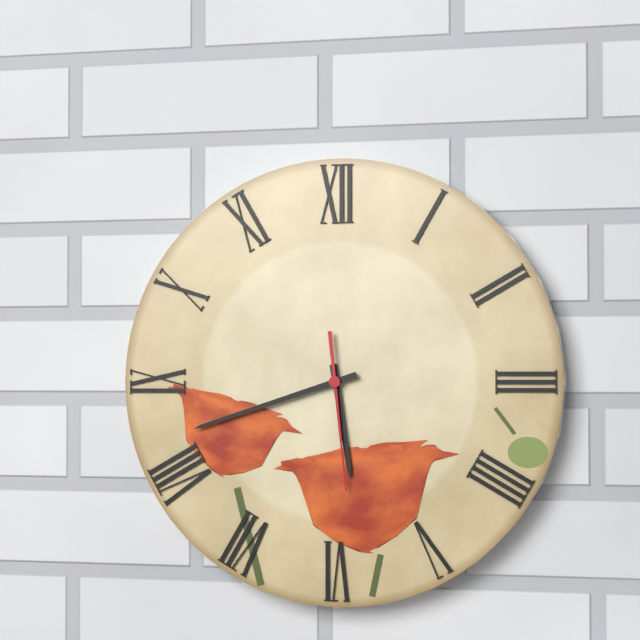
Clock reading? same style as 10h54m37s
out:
5h42m29s
